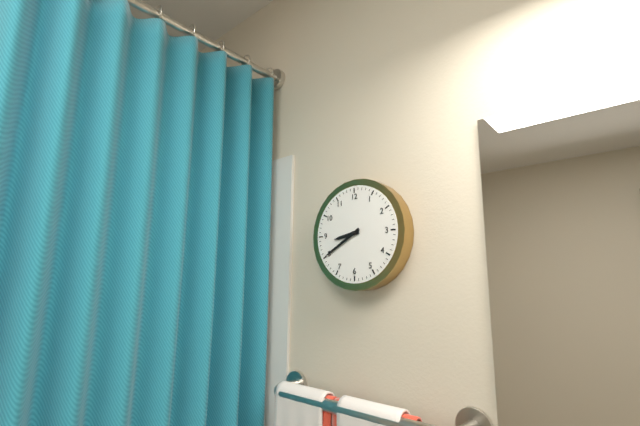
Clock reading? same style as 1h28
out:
8h40
